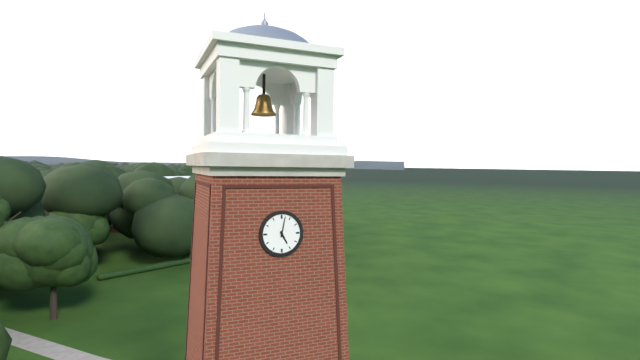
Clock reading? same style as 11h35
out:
5h02
